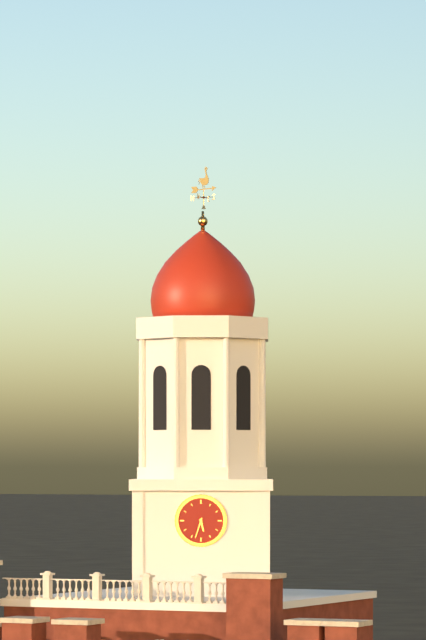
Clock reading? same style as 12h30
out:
5h33
